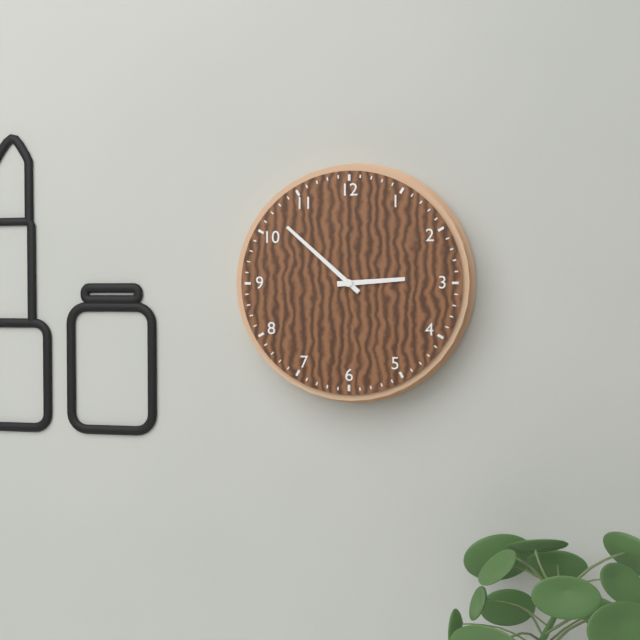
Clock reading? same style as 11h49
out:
2h52
